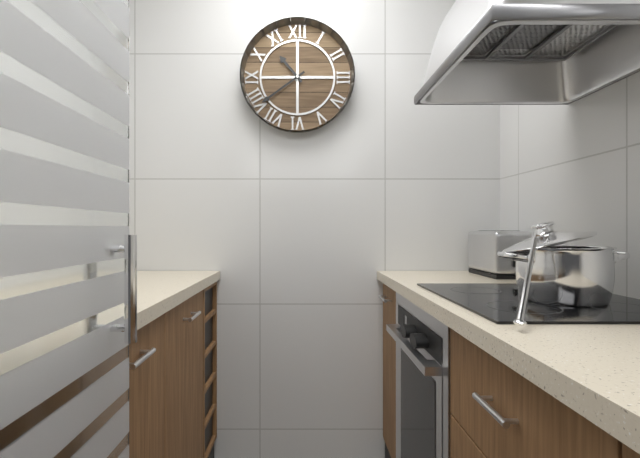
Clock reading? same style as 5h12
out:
10h39
